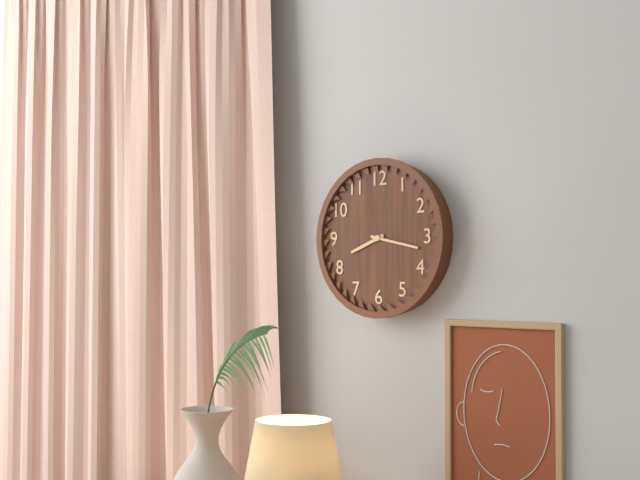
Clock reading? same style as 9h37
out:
8h17
